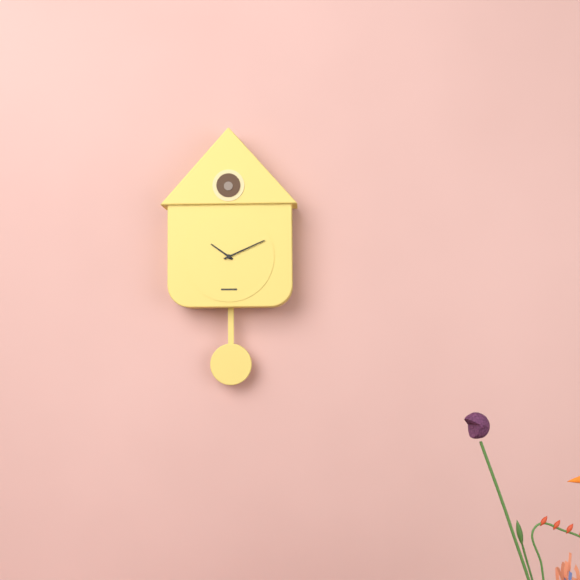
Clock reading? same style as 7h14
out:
10h11
